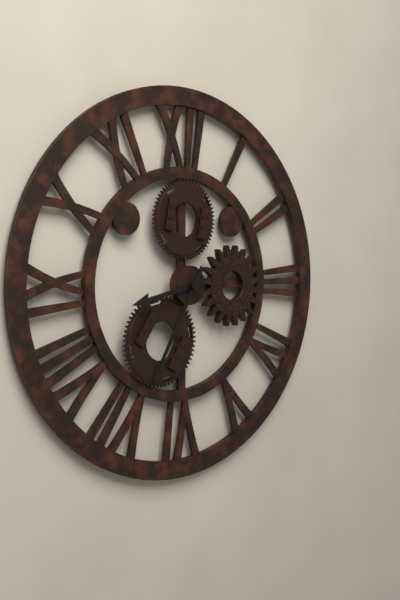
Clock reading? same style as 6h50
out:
8h35
